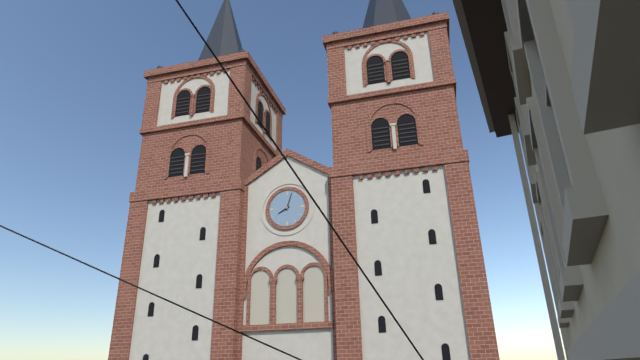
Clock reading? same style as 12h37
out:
8h03
